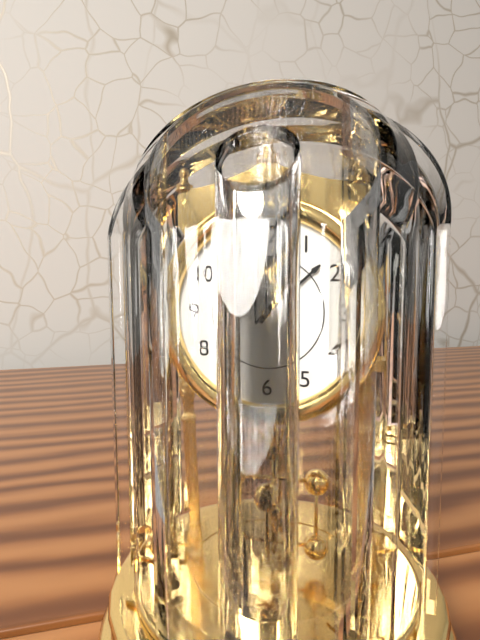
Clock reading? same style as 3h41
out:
1h08
